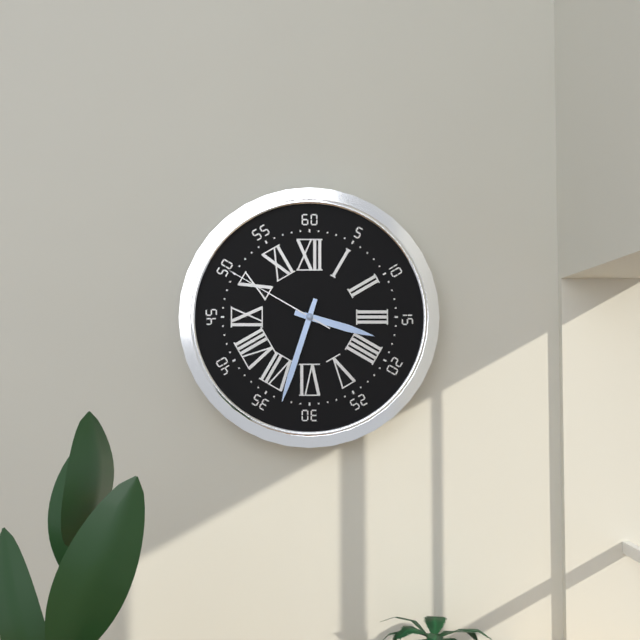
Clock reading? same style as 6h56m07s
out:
3h33m50s
